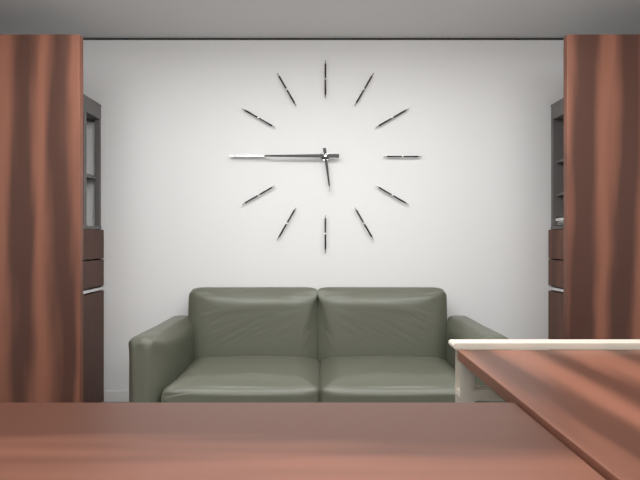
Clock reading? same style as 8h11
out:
5h45
